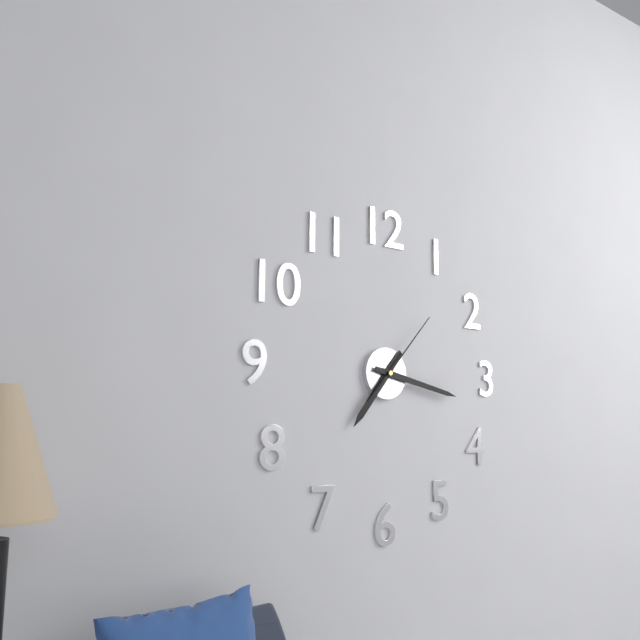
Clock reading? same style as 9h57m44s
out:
7h17m07s
